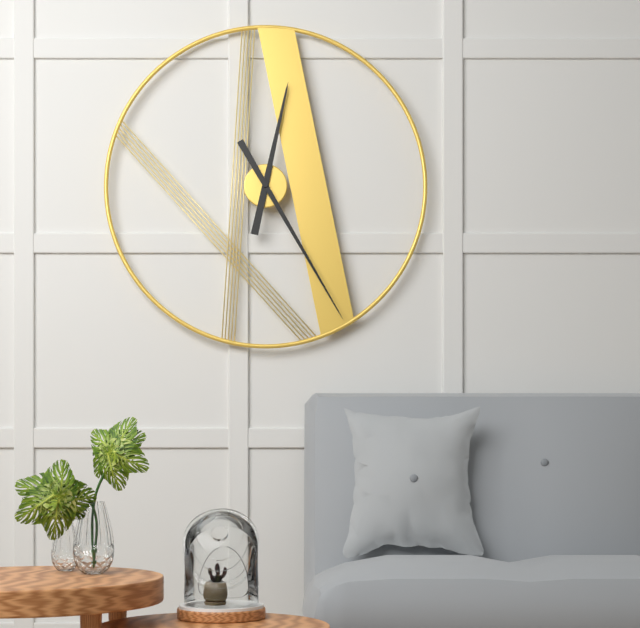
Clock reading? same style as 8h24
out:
12h25
